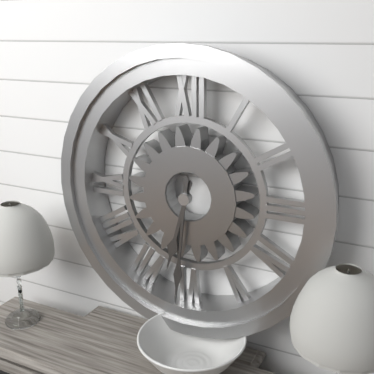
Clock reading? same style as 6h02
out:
6h31
